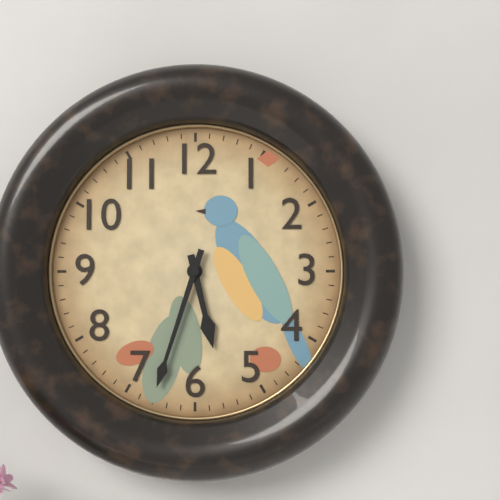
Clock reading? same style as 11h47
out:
5h33
